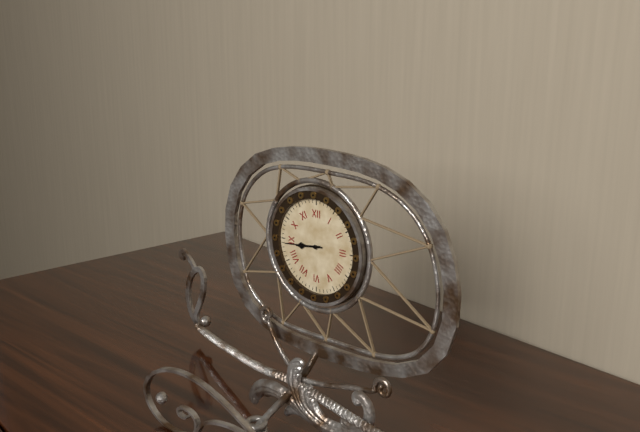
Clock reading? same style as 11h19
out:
8h44
